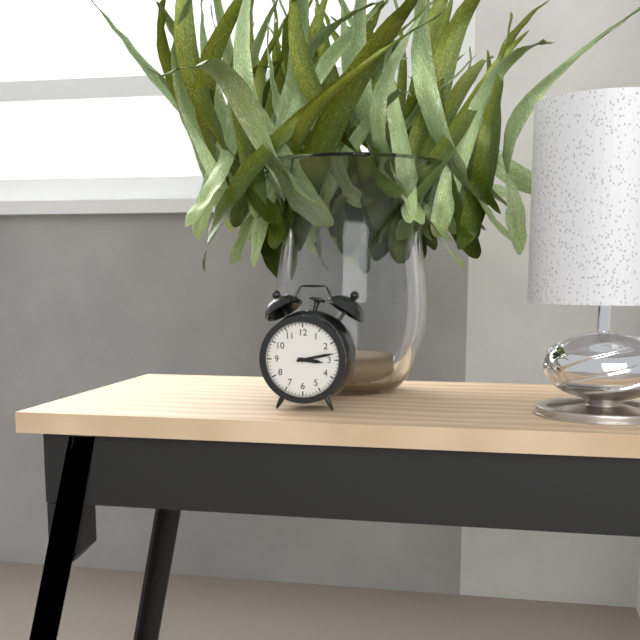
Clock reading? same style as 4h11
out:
3h13
